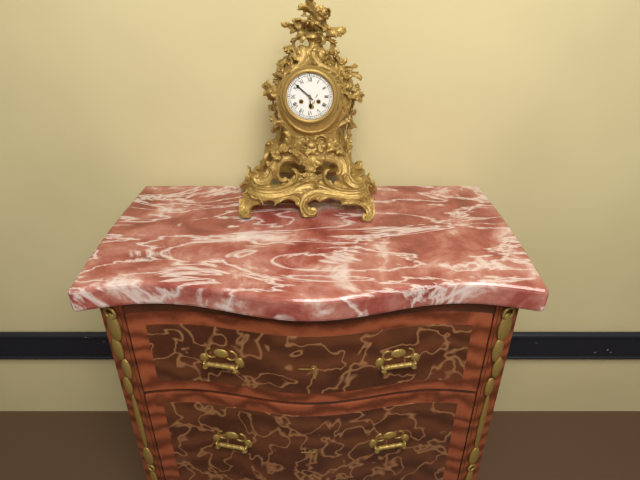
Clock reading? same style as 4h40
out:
5h52
